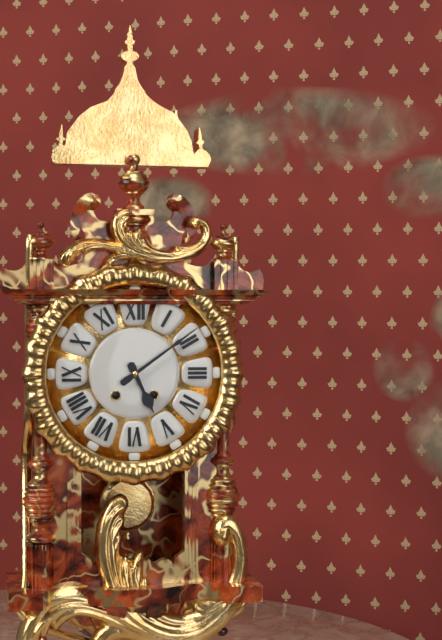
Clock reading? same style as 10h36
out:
5h09
